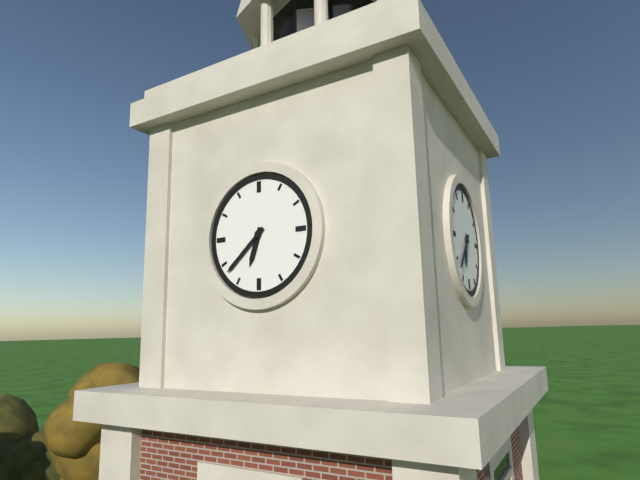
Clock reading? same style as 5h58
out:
6h38
